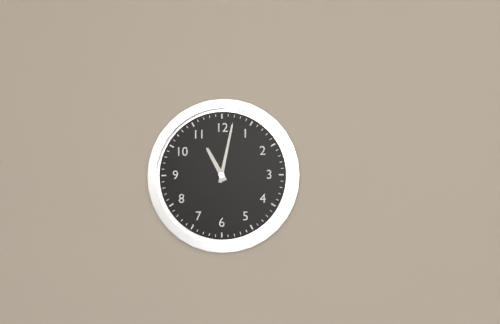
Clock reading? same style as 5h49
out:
11h02
